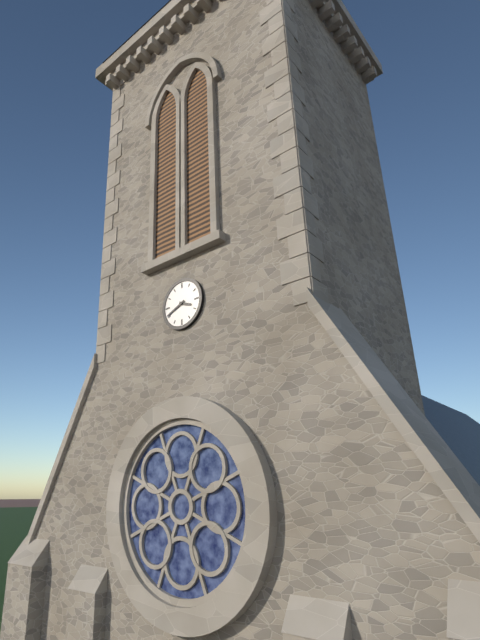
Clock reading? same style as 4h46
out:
3h41
